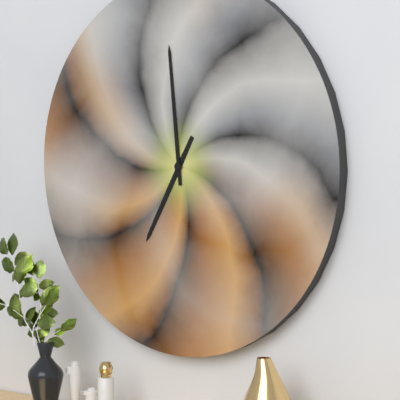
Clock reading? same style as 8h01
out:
6h59
